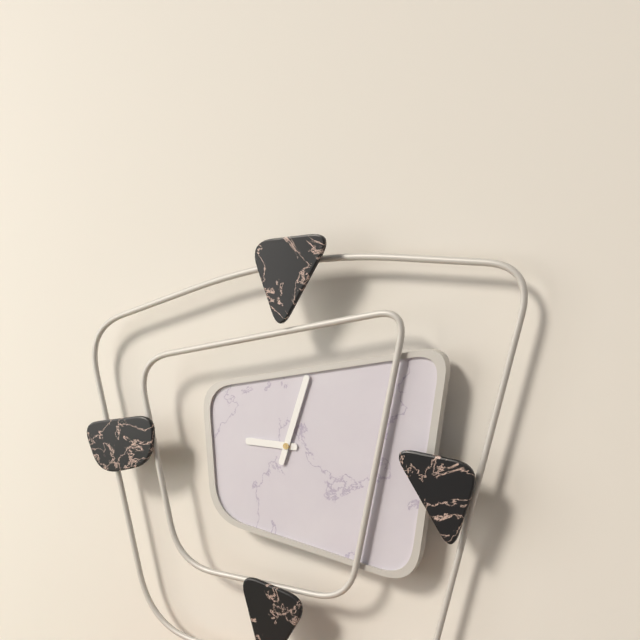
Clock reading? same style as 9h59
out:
9h03
